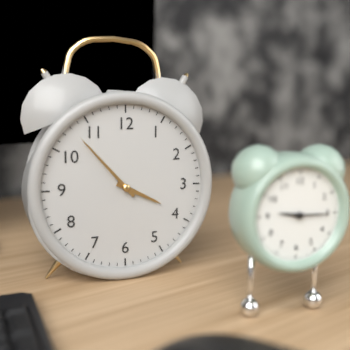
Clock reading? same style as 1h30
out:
3h53
